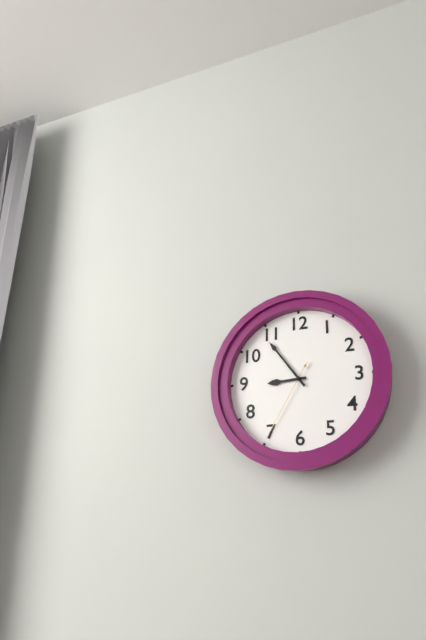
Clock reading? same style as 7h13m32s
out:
8h54m35s
